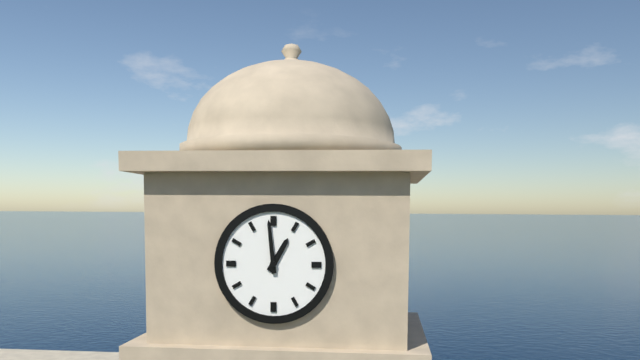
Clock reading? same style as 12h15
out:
12h59
